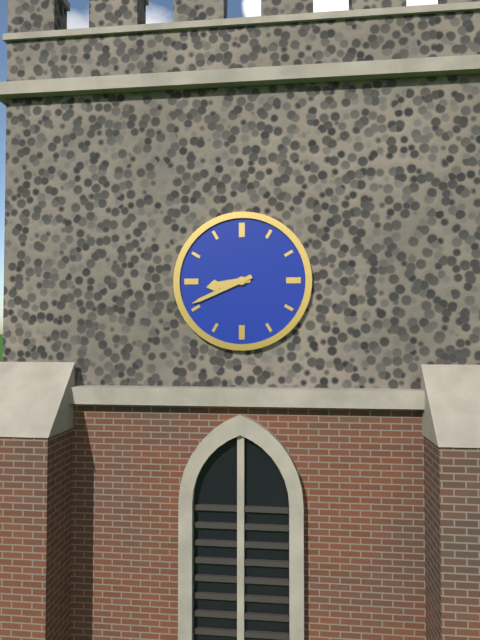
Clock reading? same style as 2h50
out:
8h41
